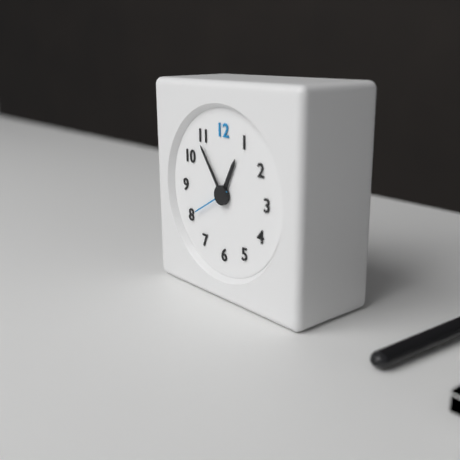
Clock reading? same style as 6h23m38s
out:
12h54m40s
